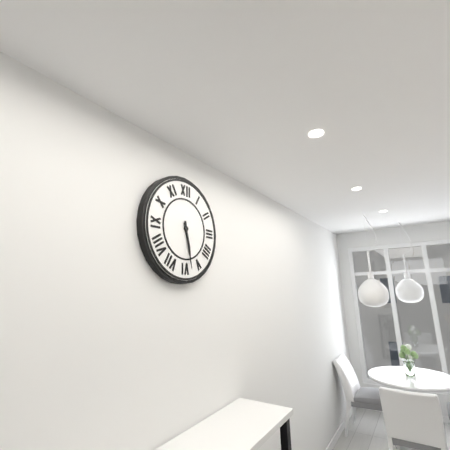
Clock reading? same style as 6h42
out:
5h28
